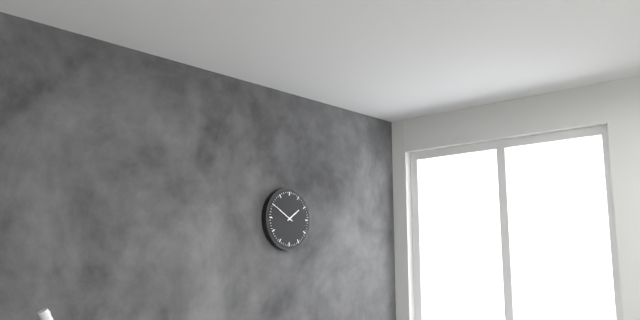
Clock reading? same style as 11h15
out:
1h50
